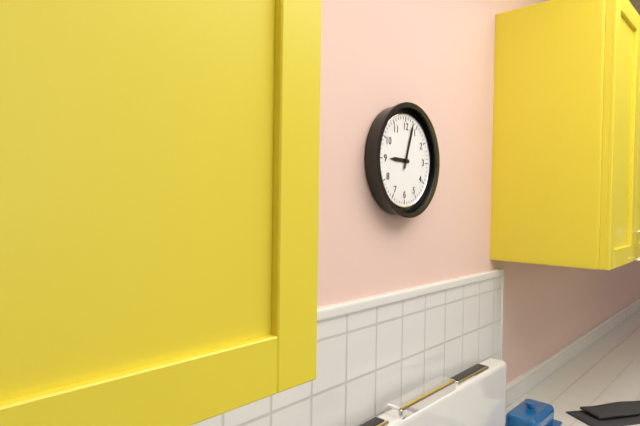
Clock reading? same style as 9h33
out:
9h03
